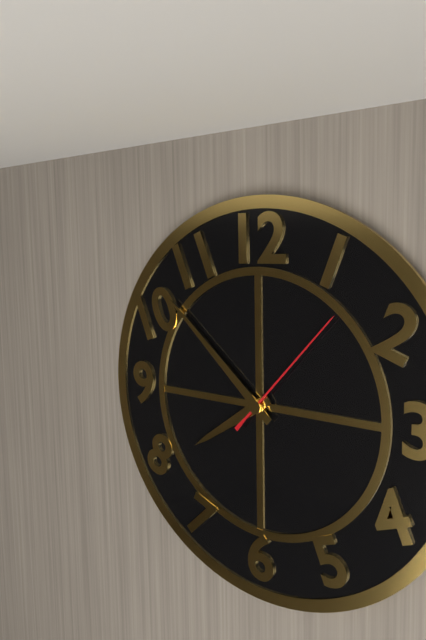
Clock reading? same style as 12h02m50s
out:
7h52m07s
